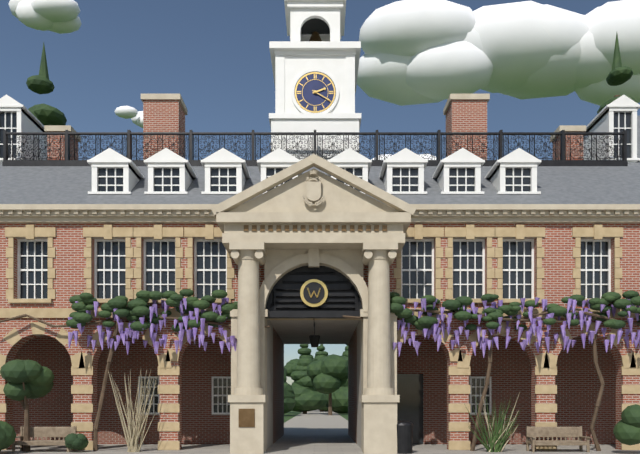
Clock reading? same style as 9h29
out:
2h20
